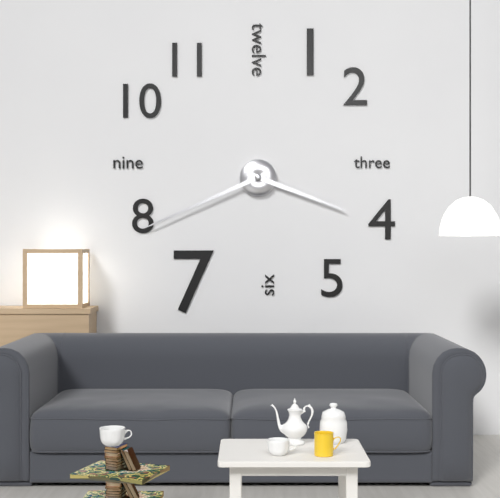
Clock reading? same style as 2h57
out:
3h41
